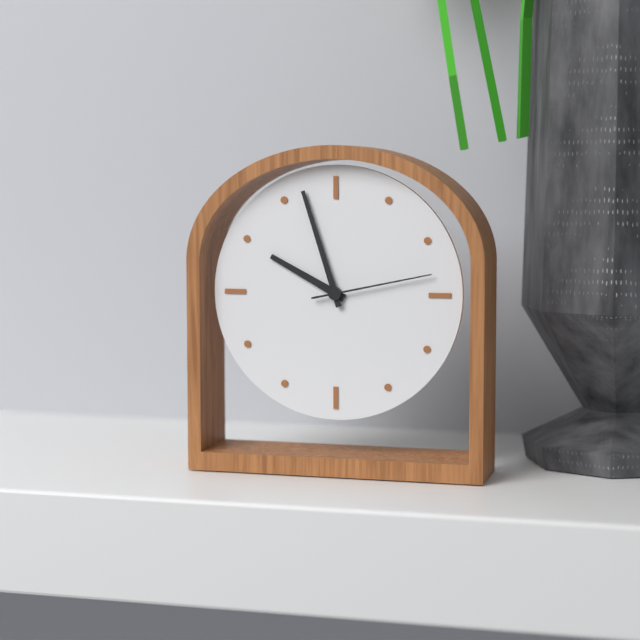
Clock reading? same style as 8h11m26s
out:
9h57m13s
